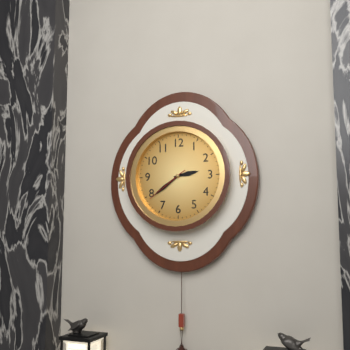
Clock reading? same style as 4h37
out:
2h39
